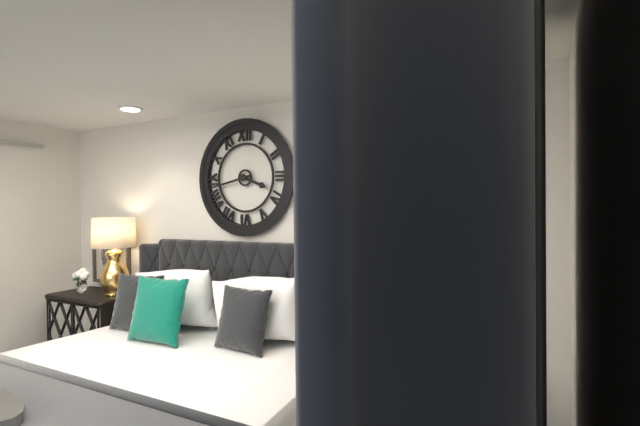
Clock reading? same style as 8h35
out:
3h43
